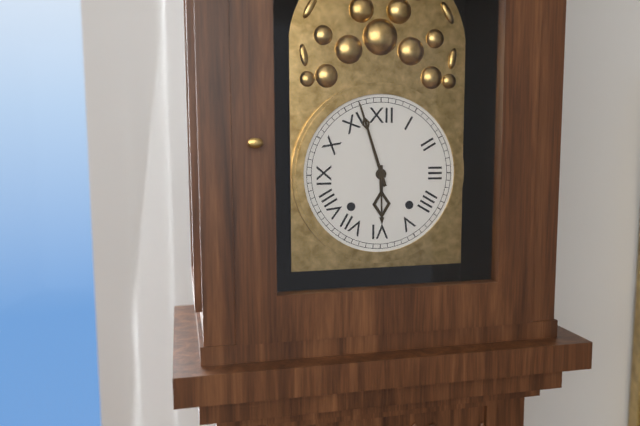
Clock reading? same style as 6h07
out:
5h57
